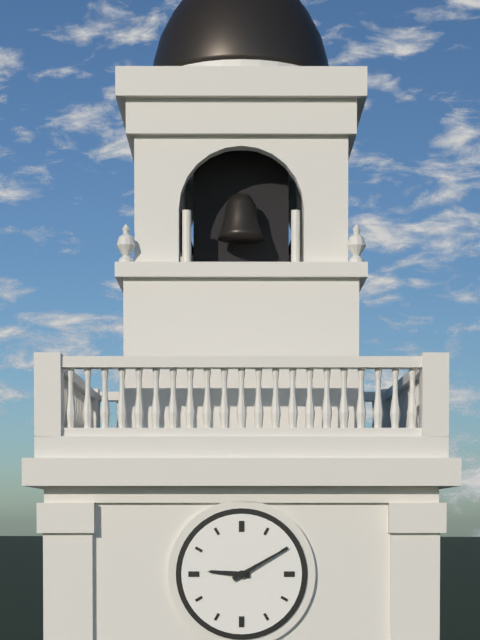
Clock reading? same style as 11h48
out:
9h10
